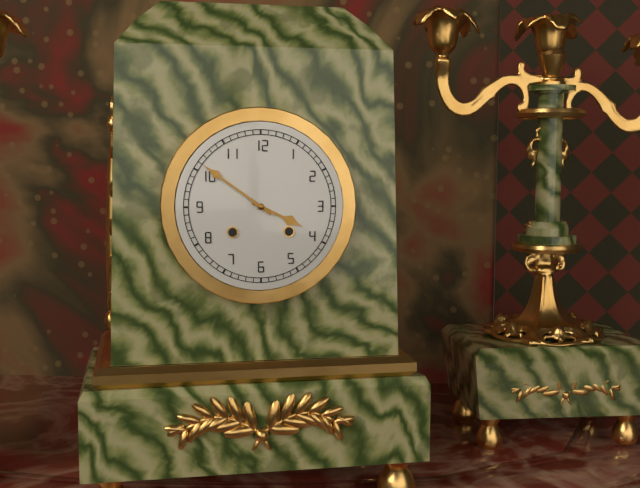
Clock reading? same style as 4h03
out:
3h51
